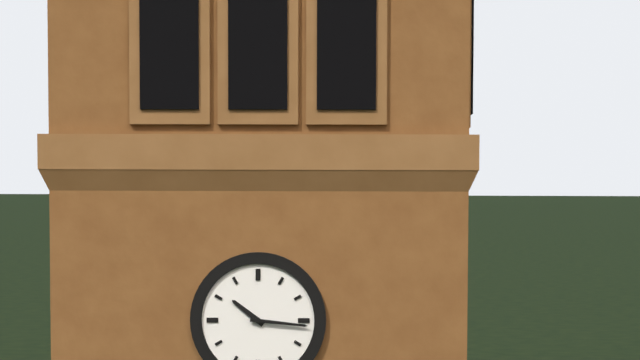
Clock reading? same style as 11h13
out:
10h16
